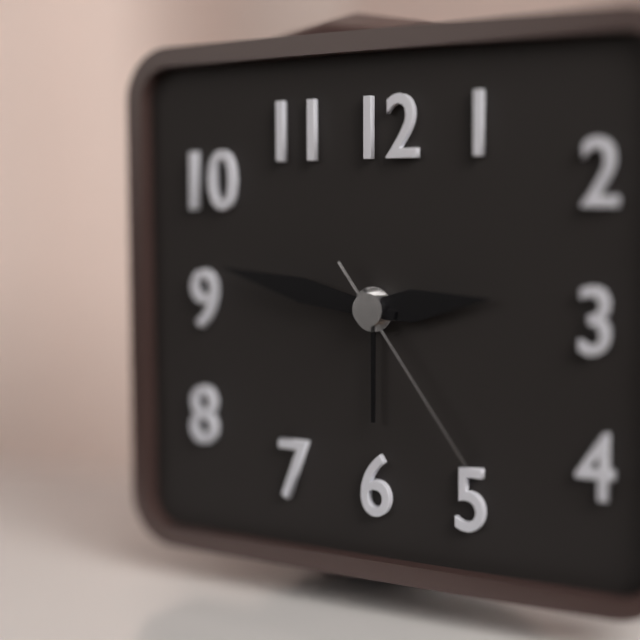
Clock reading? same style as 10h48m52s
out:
2h47m24s
